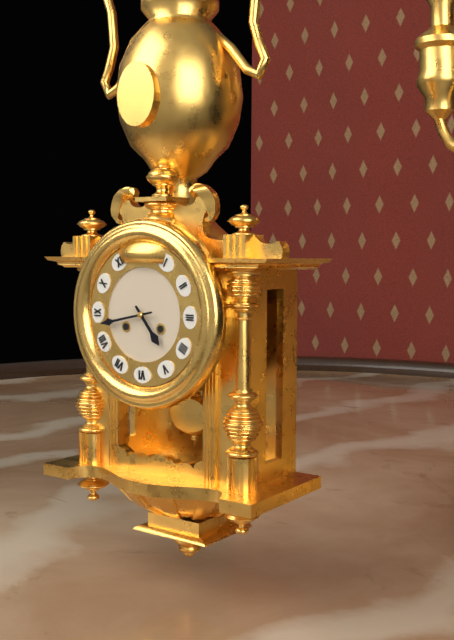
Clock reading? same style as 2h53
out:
4h43
